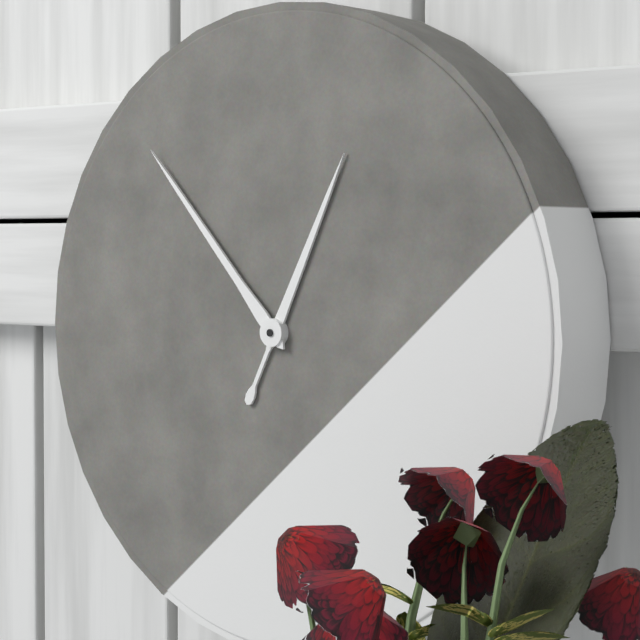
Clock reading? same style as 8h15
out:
12h53
